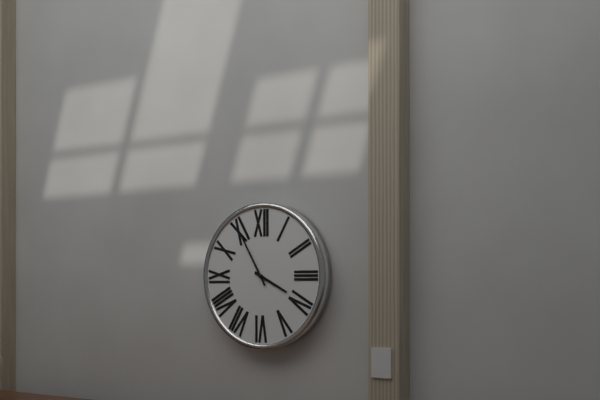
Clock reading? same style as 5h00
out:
3h55
